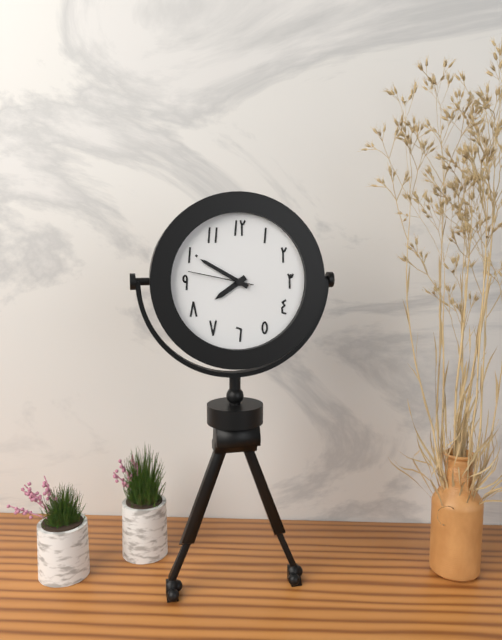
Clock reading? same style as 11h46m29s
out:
7h50m47s
